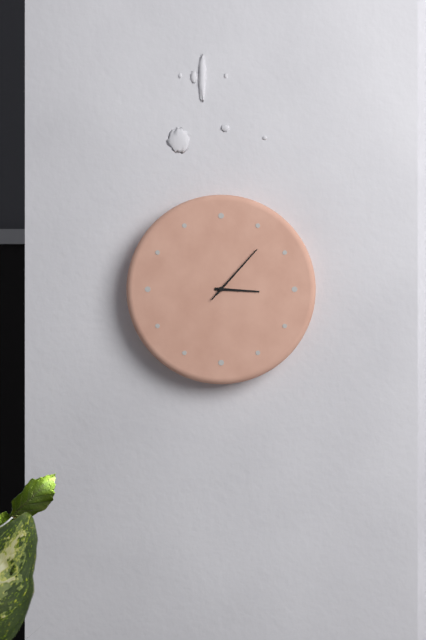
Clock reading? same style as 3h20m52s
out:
3h07m07s
